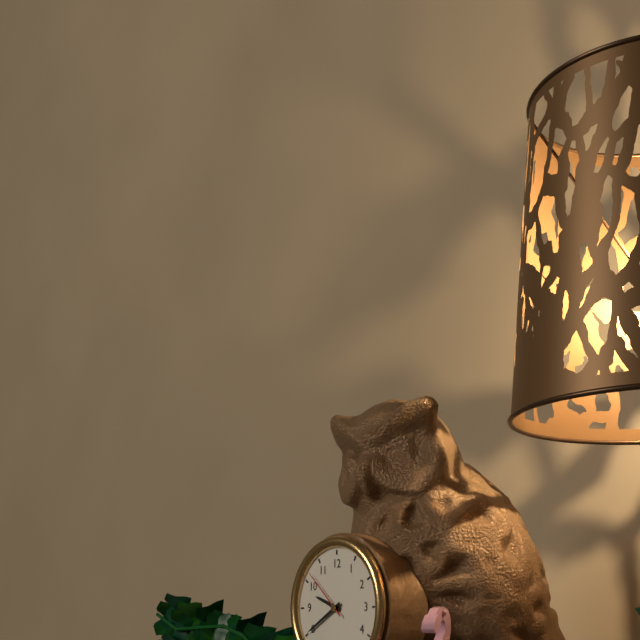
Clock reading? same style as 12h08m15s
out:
9h40m52s
